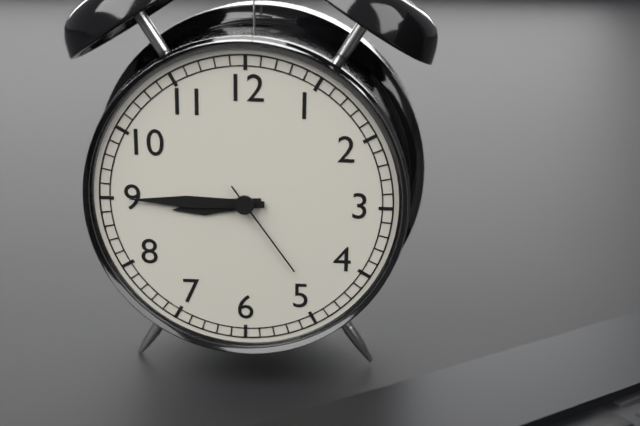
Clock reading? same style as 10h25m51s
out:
8h45m24s
